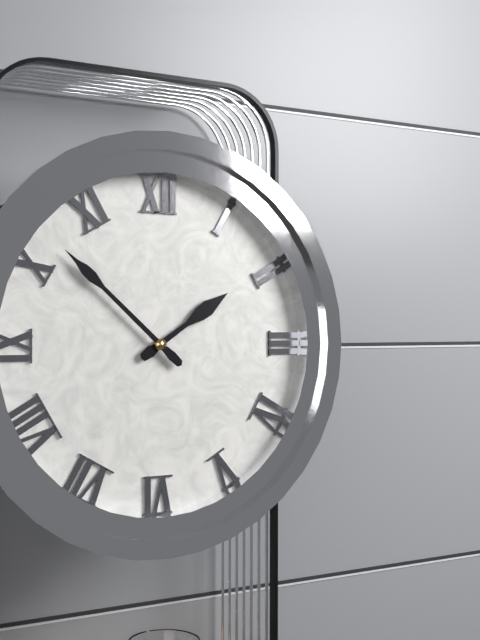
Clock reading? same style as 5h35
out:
1h52
